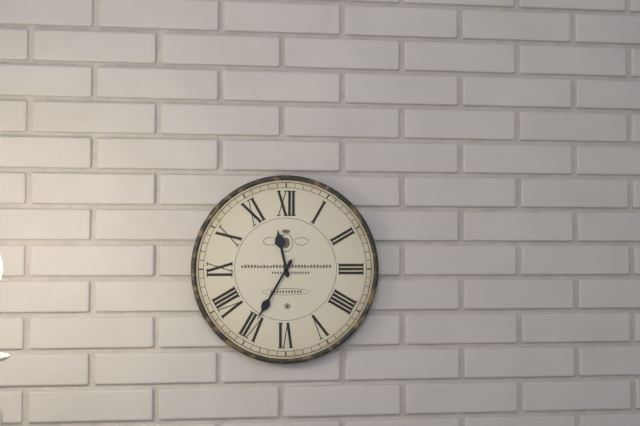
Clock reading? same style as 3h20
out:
11h35
